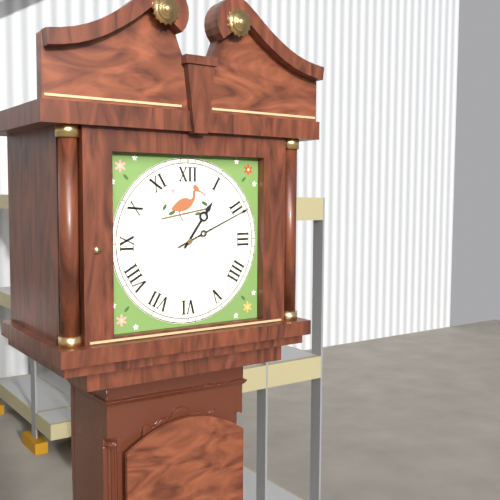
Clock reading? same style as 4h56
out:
1h11
